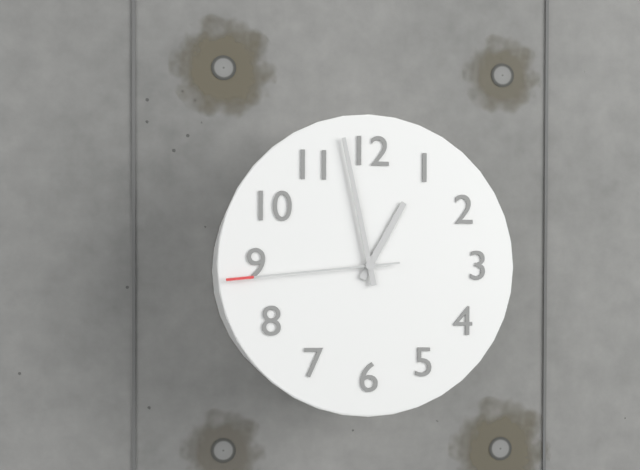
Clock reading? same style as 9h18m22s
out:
12h58m44s
